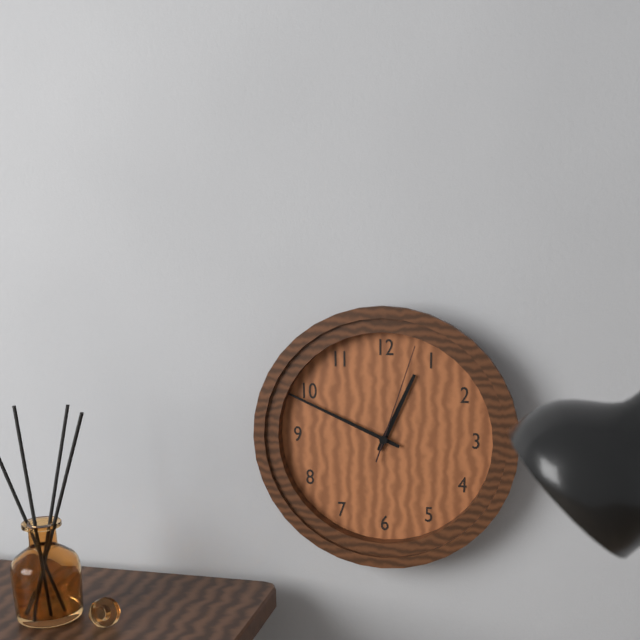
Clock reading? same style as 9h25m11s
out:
12h49m03s
